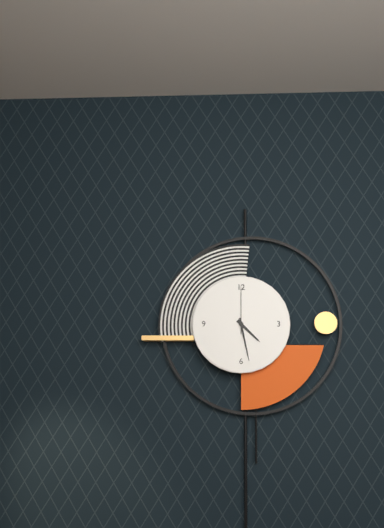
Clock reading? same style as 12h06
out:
4h28
